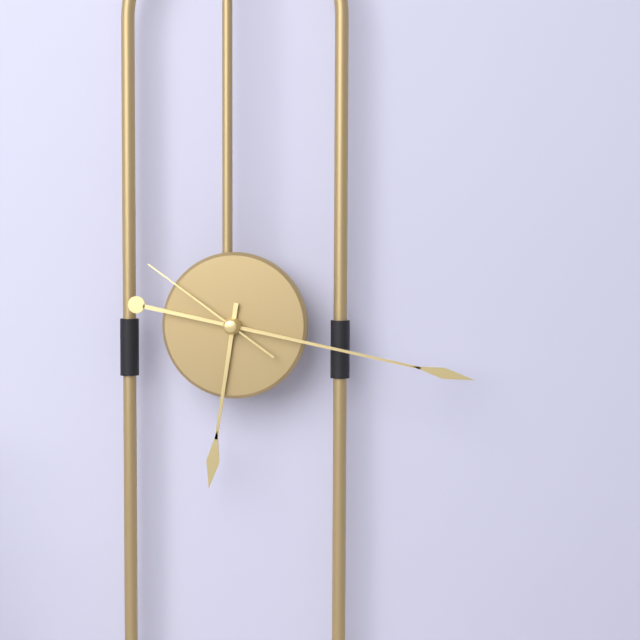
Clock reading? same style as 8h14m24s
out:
6h17m51s
